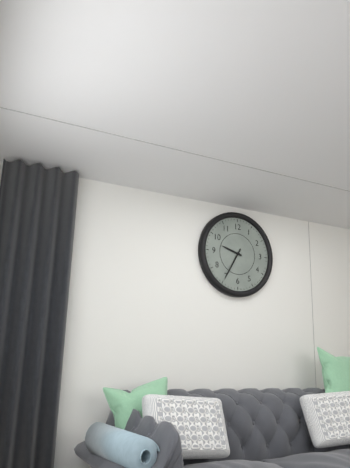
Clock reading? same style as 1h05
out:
9h35
